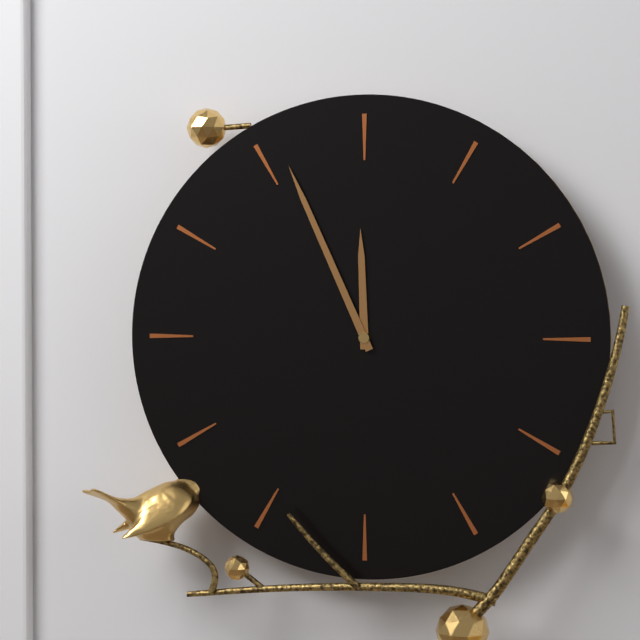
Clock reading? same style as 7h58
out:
11h56
